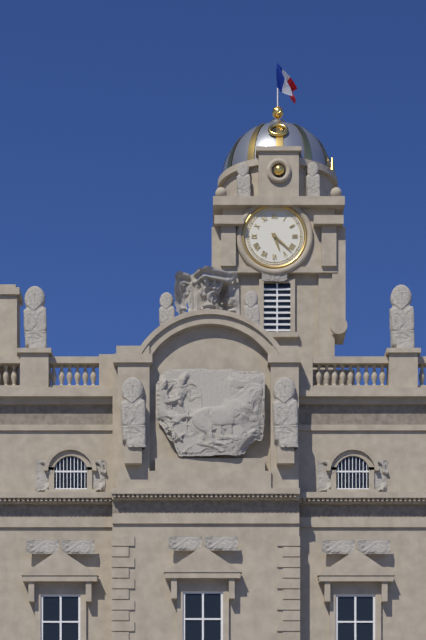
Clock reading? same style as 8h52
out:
5h22
